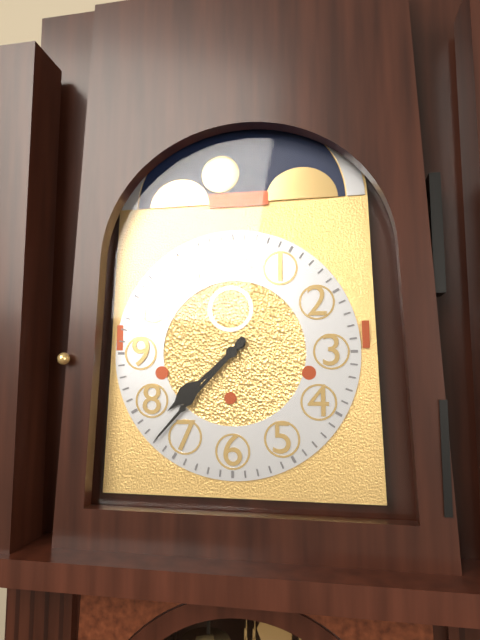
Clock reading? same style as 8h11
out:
7h37
